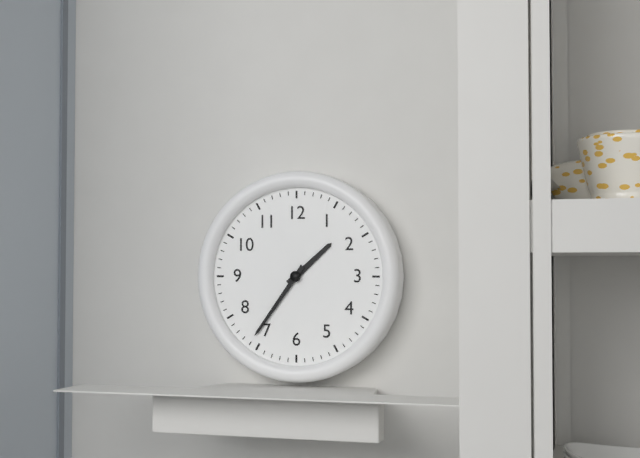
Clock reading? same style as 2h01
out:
1h36
